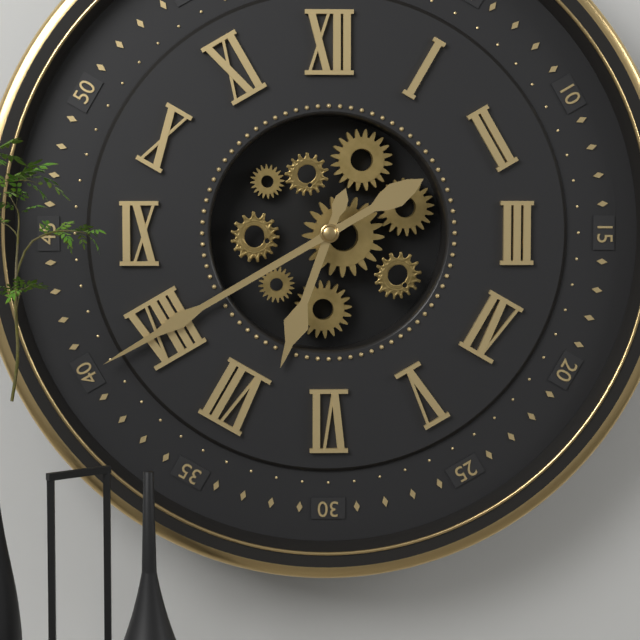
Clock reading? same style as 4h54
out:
6h40
